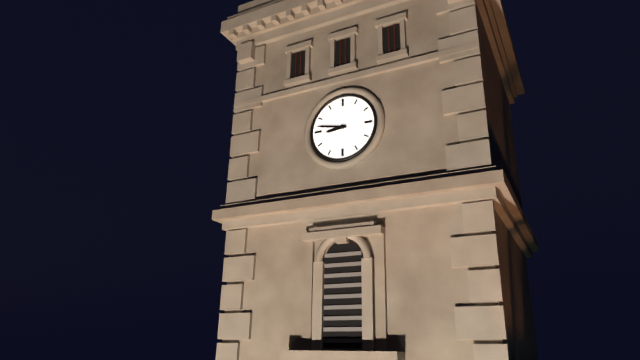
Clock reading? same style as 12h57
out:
8h47
